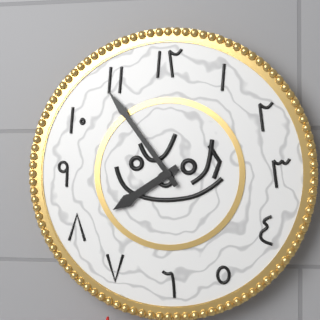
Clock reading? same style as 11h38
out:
7h54
